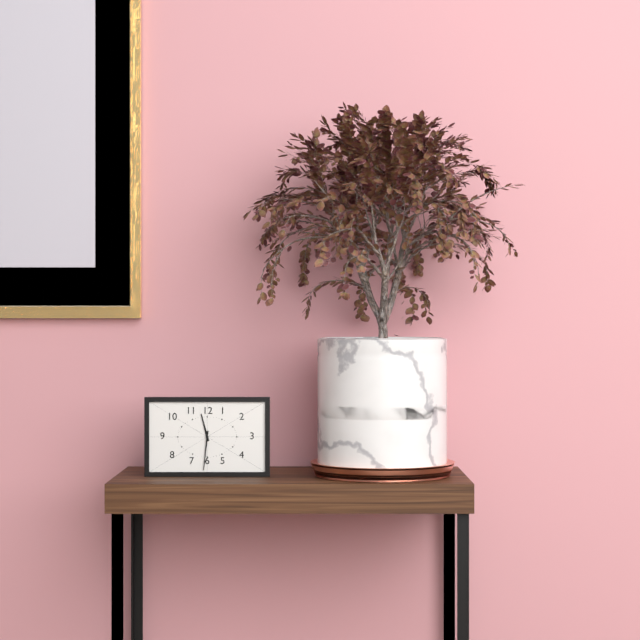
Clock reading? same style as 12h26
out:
11h31
